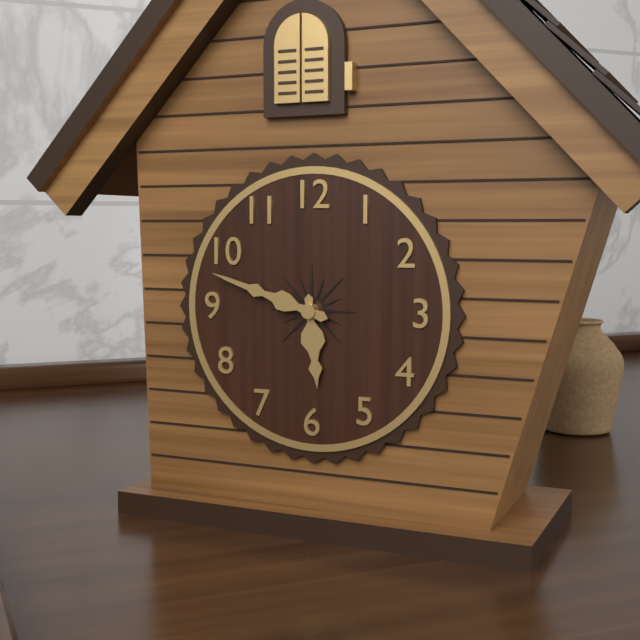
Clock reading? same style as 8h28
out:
5h48
